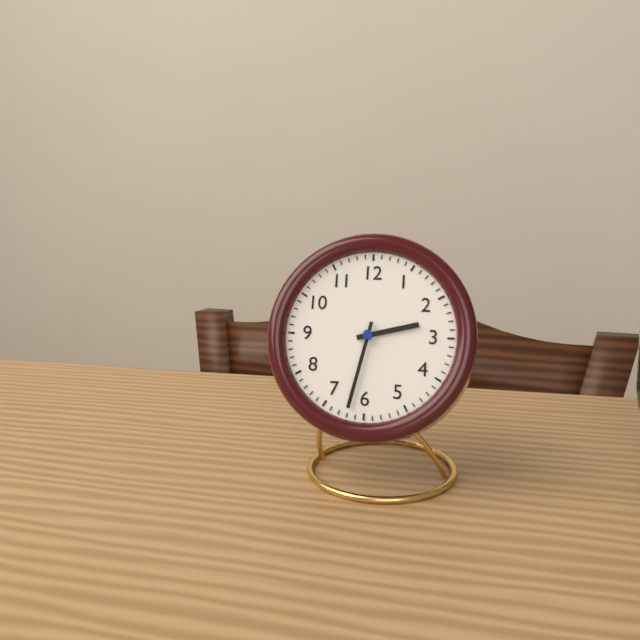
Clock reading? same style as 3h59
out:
2h32
